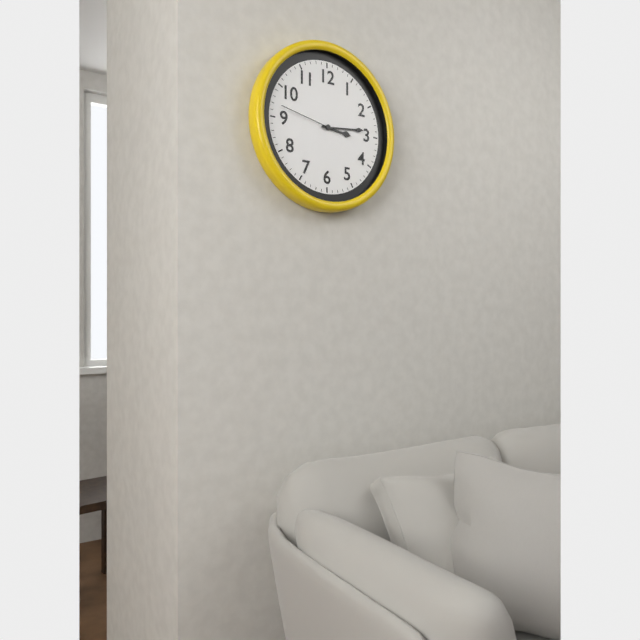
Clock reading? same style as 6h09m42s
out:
3h14m47s
